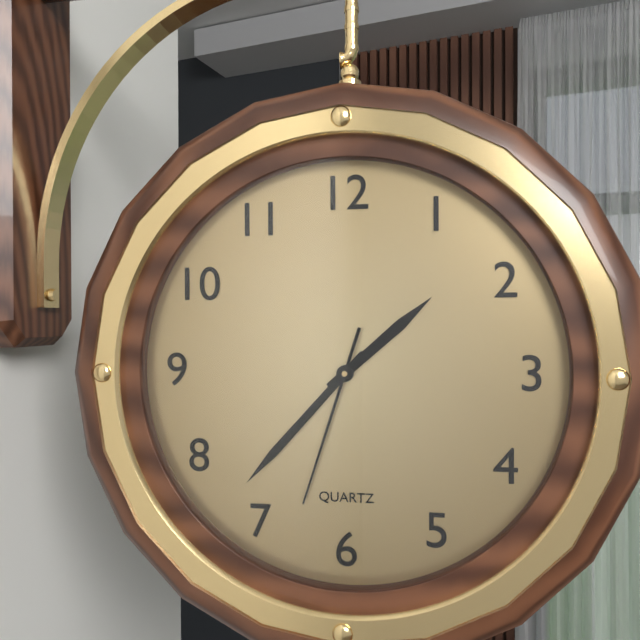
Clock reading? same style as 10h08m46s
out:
1h37m33s
